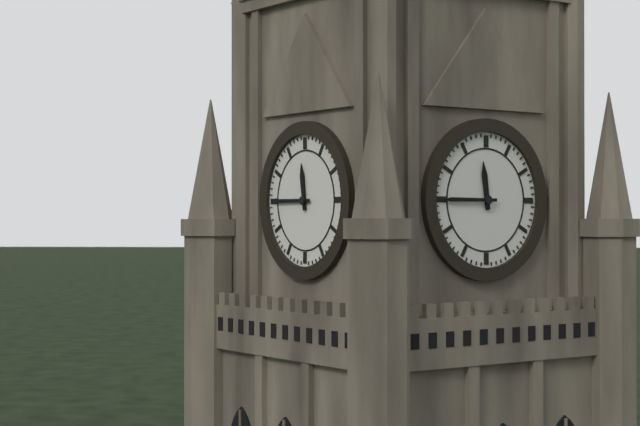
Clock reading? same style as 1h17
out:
11h45
